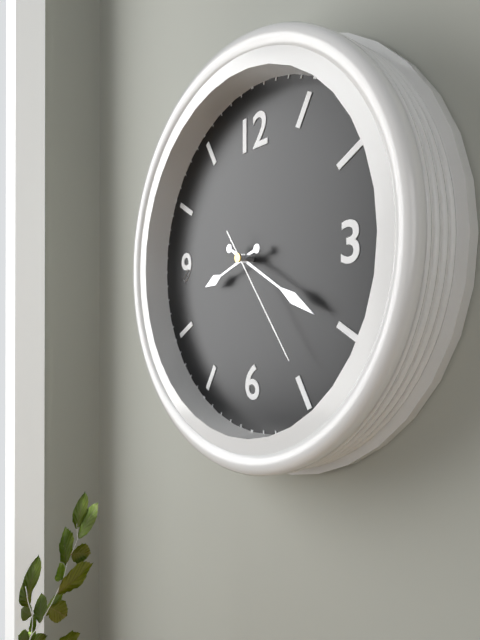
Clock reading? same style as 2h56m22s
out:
8h20m24s
